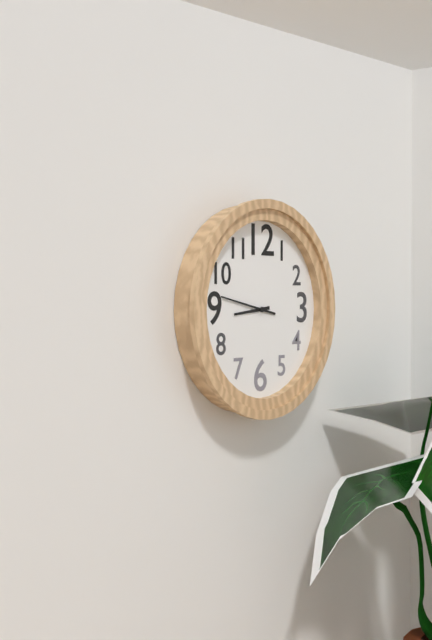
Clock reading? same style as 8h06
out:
8h47
